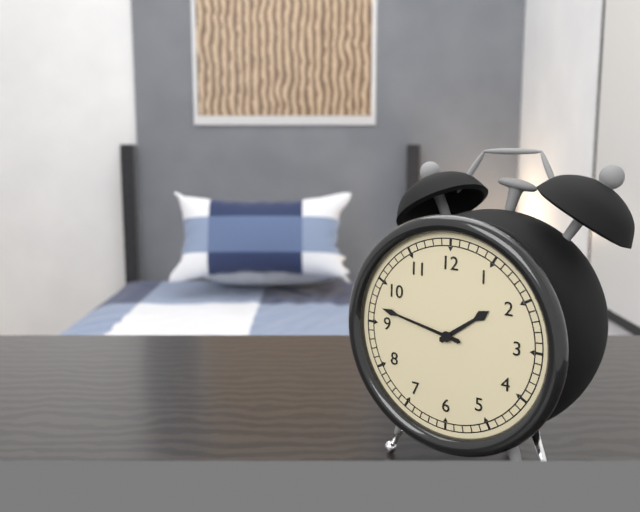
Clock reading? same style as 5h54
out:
1h47
